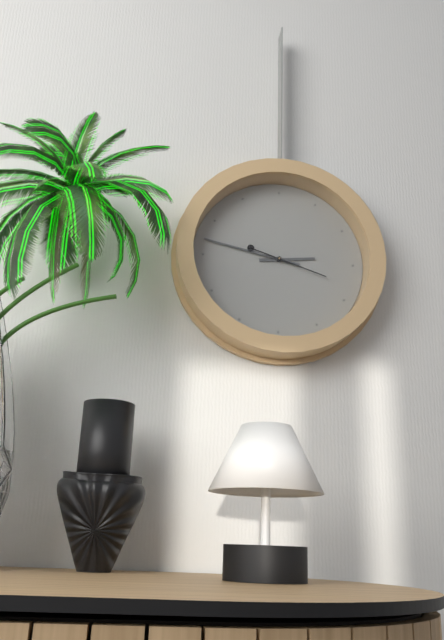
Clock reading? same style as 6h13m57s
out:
2h47m18s
